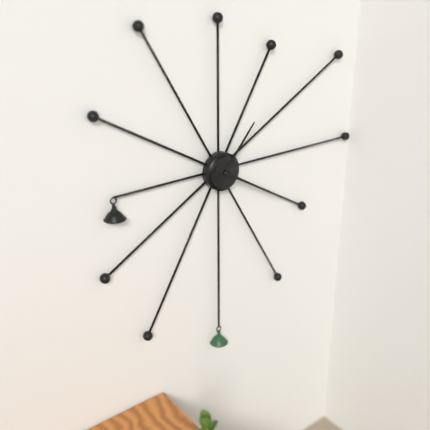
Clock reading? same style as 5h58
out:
1h20
